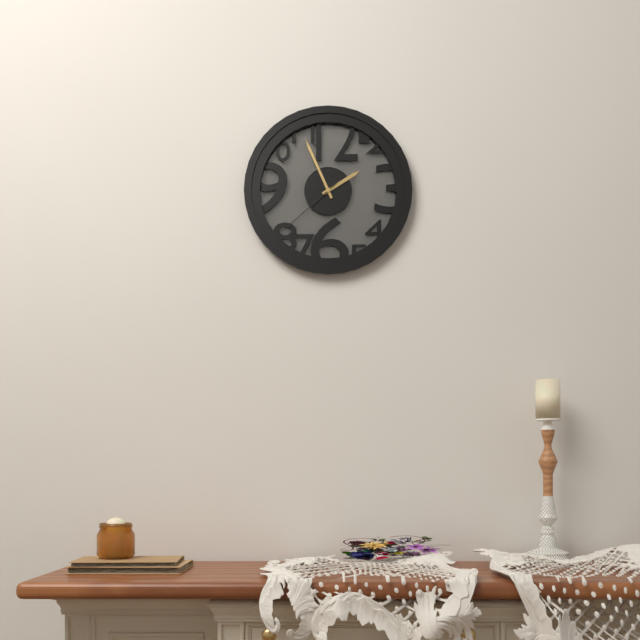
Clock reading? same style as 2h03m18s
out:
1h56m38s
